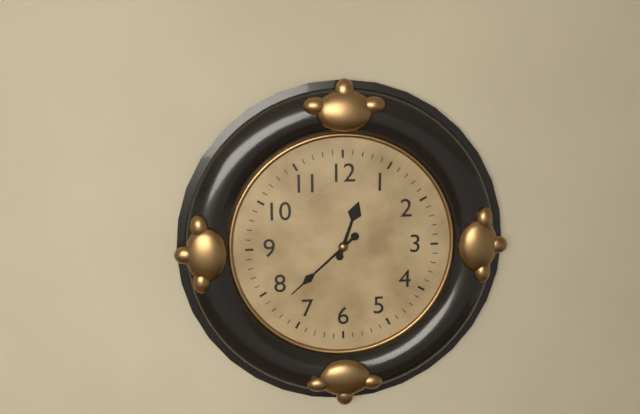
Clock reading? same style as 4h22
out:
12h38
